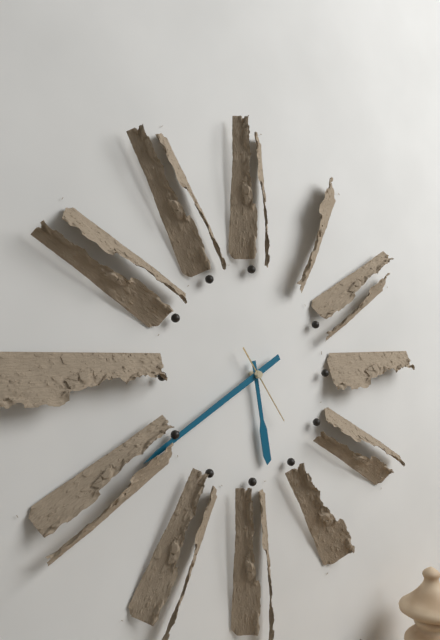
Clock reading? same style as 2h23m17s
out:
5h40m24s
